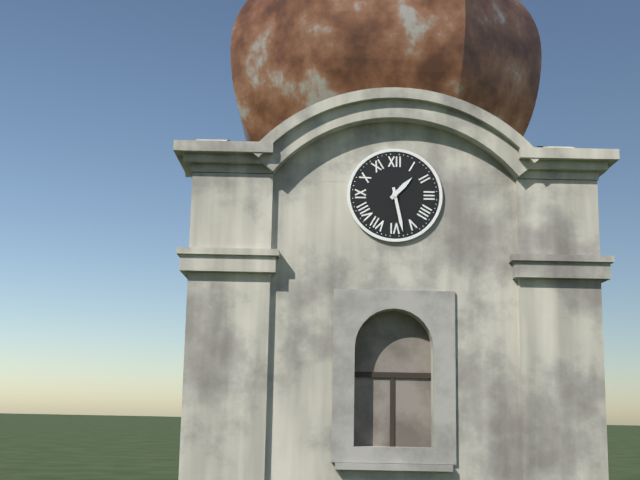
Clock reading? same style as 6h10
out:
1h28
